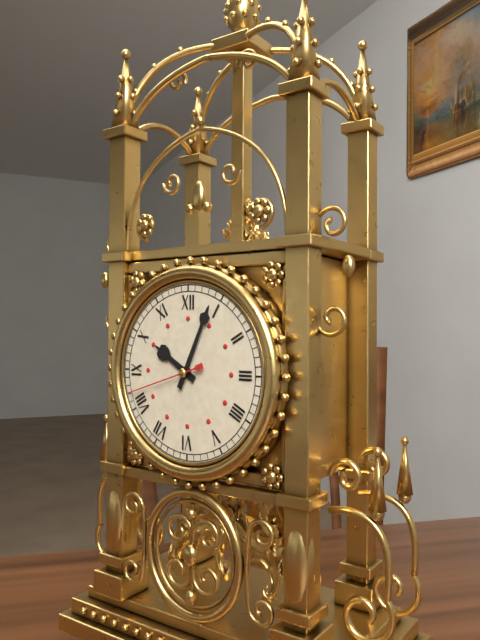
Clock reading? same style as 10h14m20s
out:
10h04m42s
